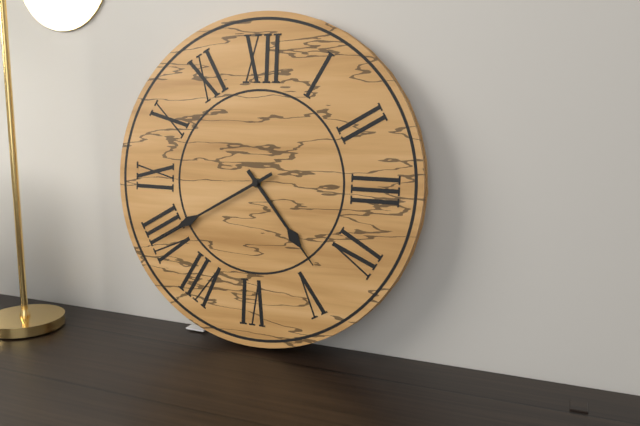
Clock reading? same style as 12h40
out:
4h40
